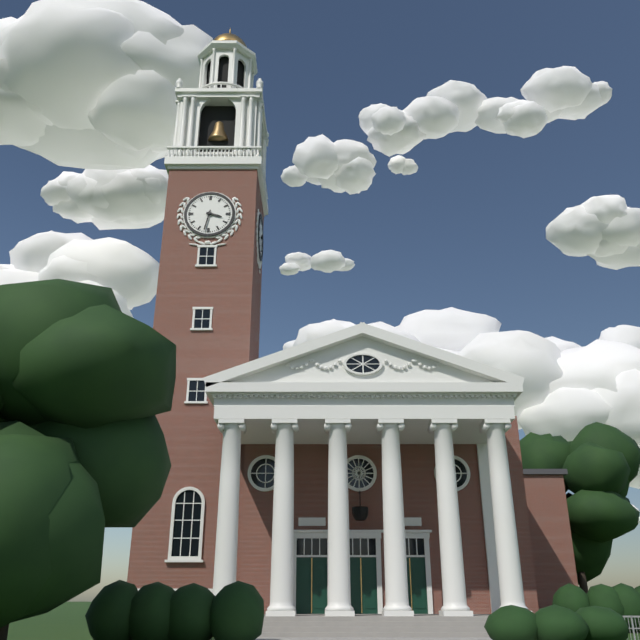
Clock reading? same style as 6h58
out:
3h32
